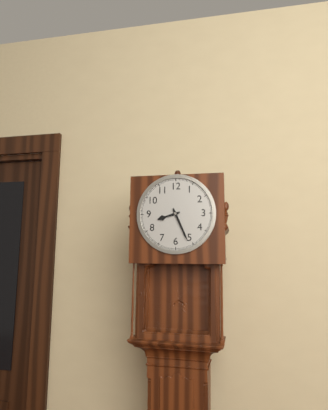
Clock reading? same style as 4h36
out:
8h26
